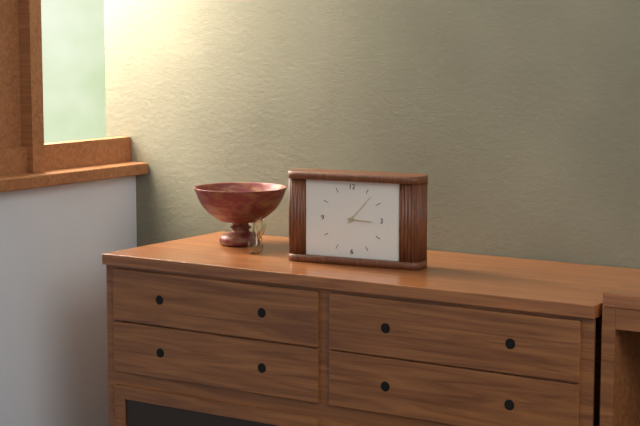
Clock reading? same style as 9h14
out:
3h07
